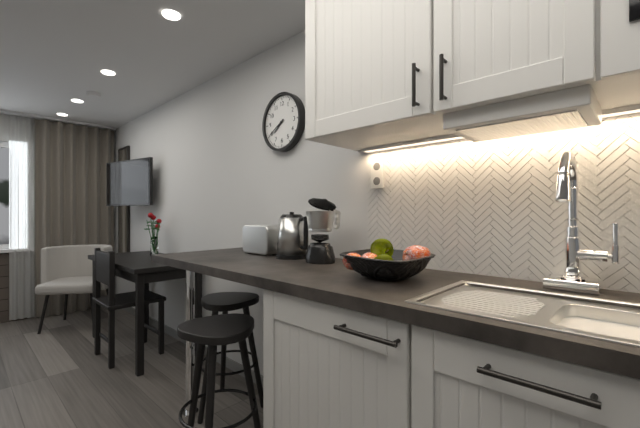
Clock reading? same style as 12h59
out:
7h40
